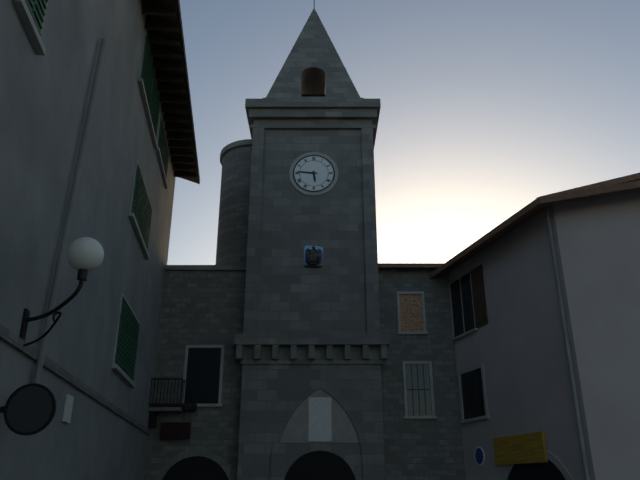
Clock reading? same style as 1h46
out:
5h46
